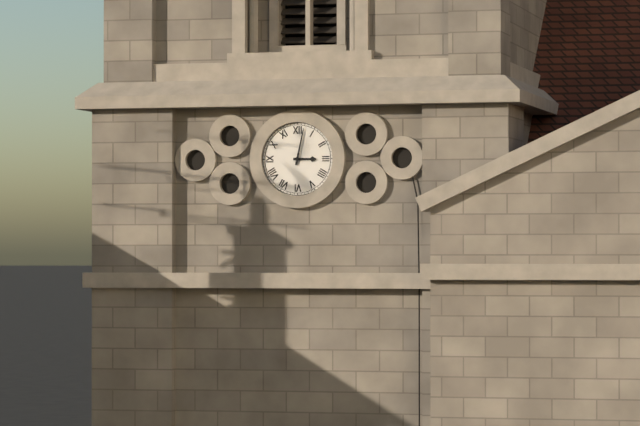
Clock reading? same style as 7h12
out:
3h02
